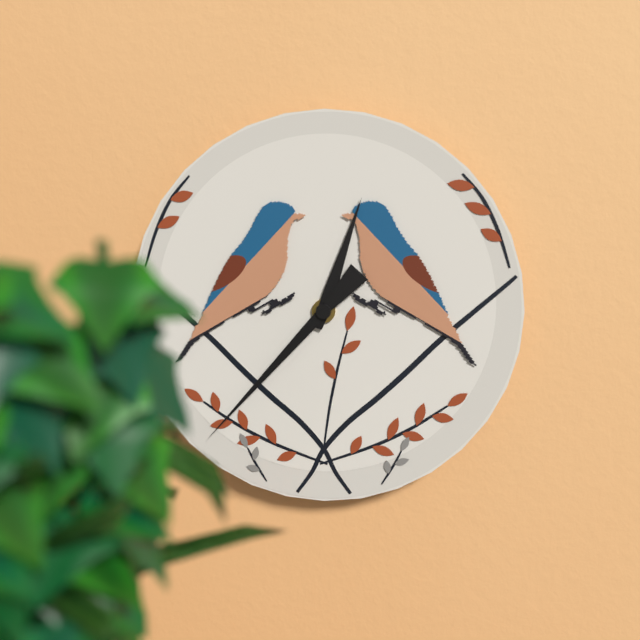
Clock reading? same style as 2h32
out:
12h37
